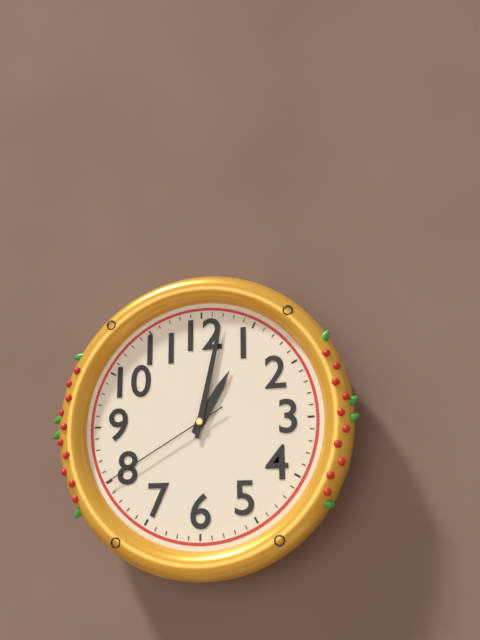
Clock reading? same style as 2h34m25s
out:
1h02m40s
